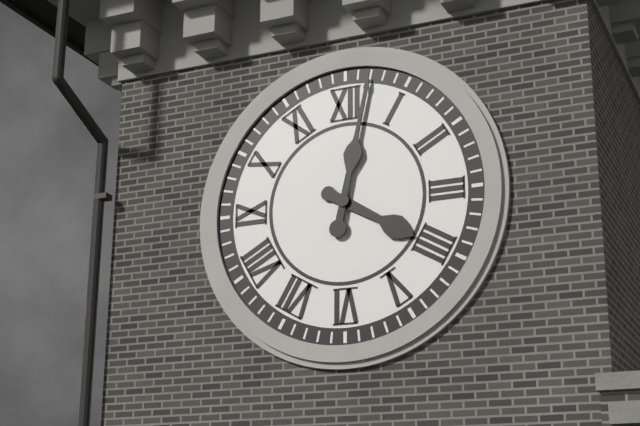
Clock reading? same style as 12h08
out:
4h02
